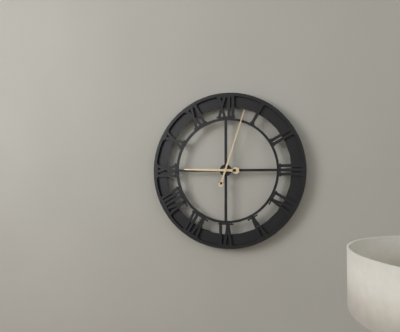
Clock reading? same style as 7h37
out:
9h03
